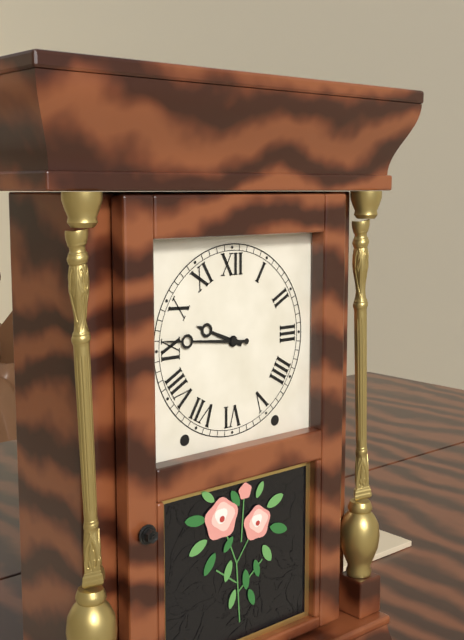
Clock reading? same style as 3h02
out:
9h46
